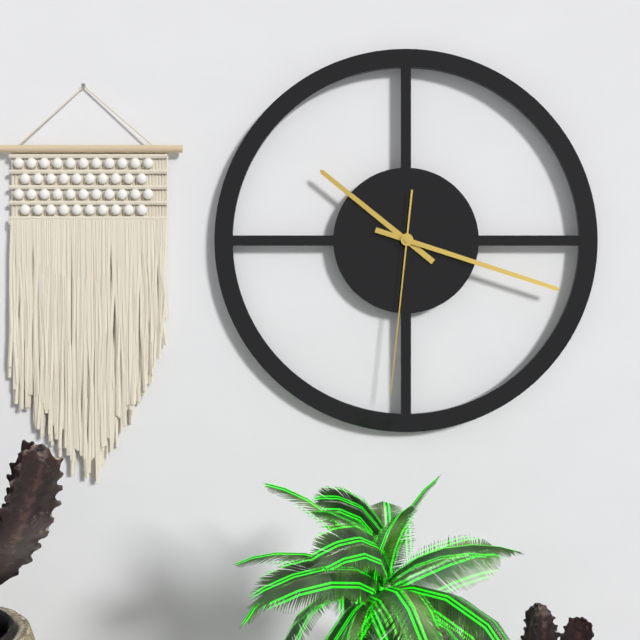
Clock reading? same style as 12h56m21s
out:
10h18m31s
